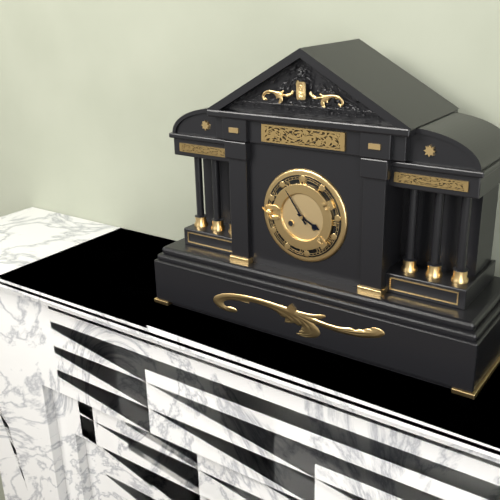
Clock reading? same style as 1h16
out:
3h54
